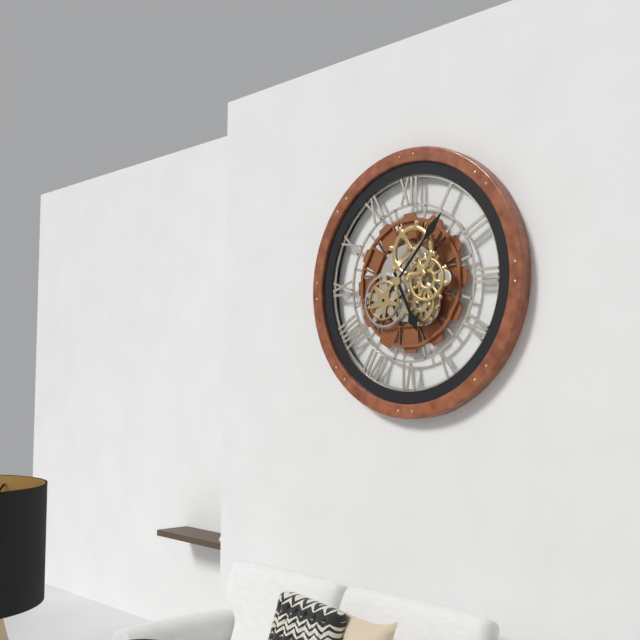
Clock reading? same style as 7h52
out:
5h07
